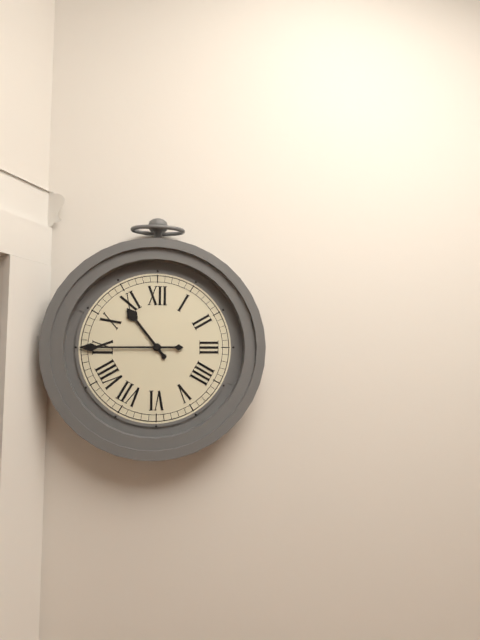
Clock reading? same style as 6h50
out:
10h45
